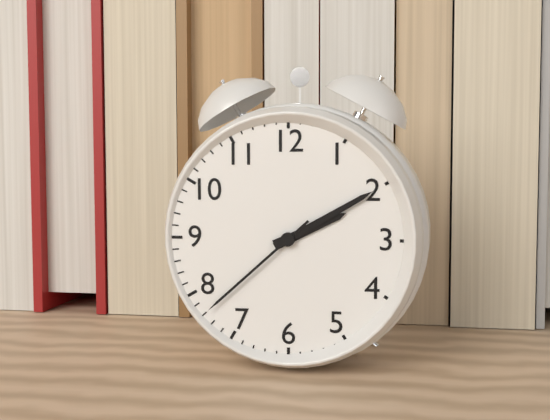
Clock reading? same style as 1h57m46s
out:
2h10m38s
